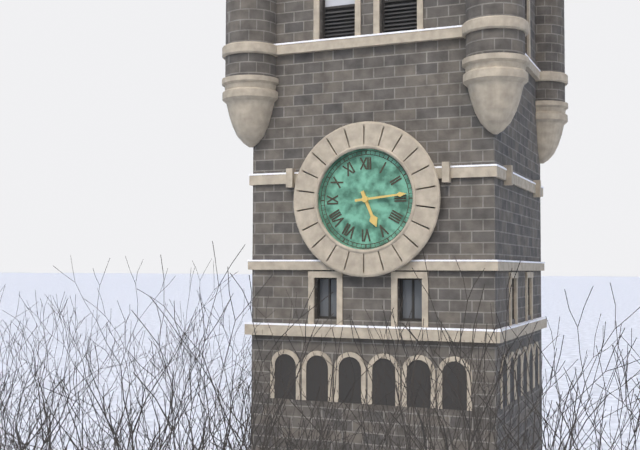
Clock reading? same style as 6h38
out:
5h14
